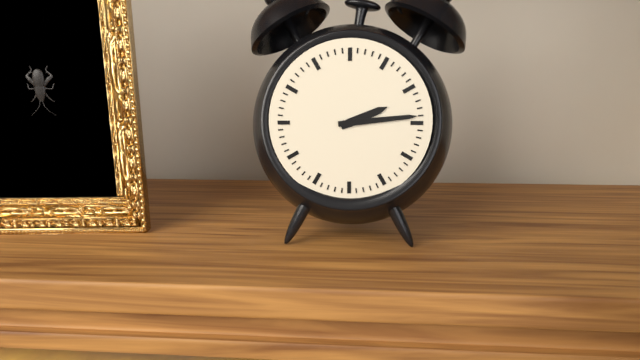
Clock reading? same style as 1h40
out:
2h14
